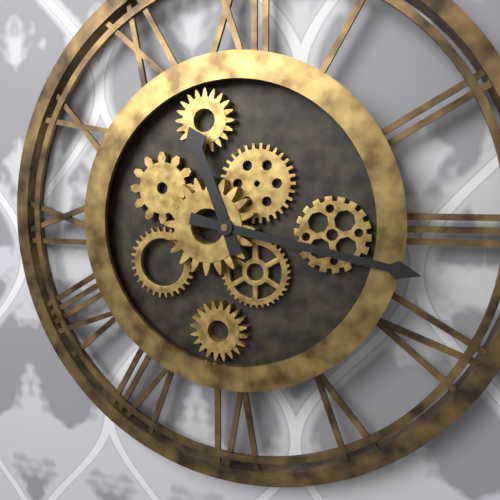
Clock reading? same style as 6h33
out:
11h17
